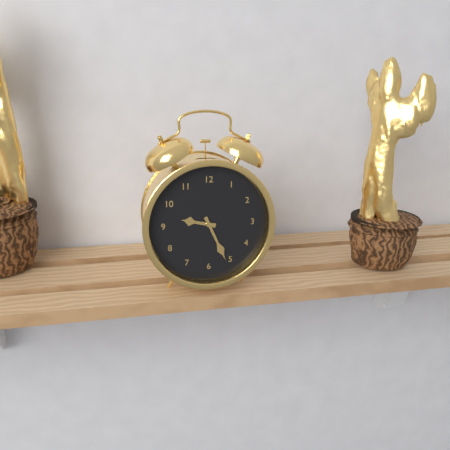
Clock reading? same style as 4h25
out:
9h26
